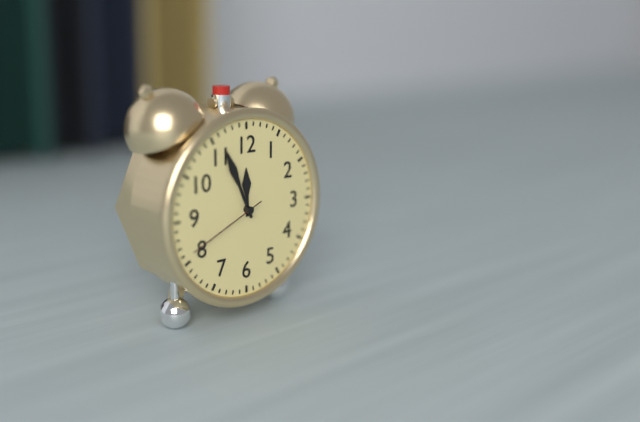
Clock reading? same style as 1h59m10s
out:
11h56m41s
